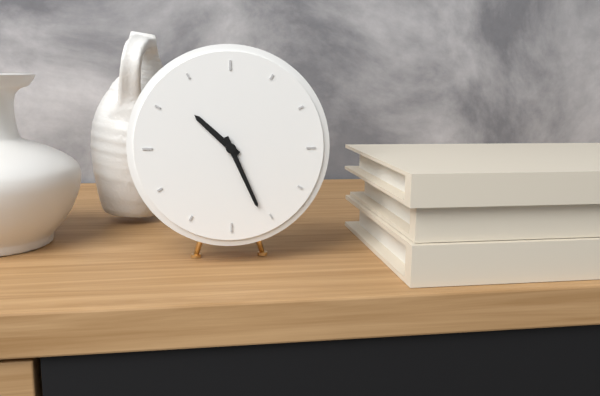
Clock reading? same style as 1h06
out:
10h26
